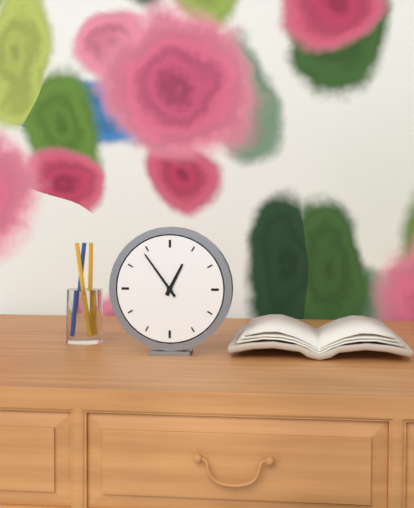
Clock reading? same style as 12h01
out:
12h54
